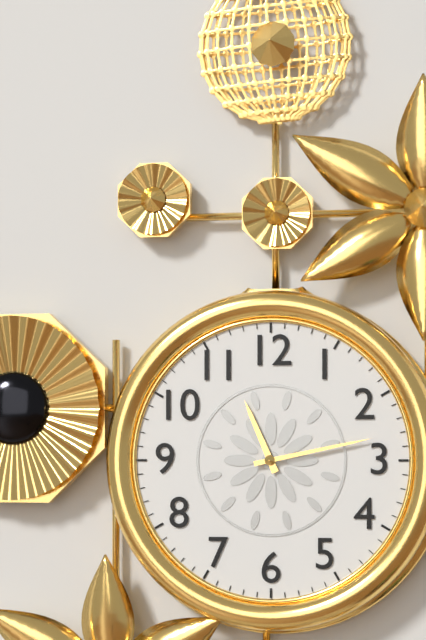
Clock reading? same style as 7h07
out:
11h13
